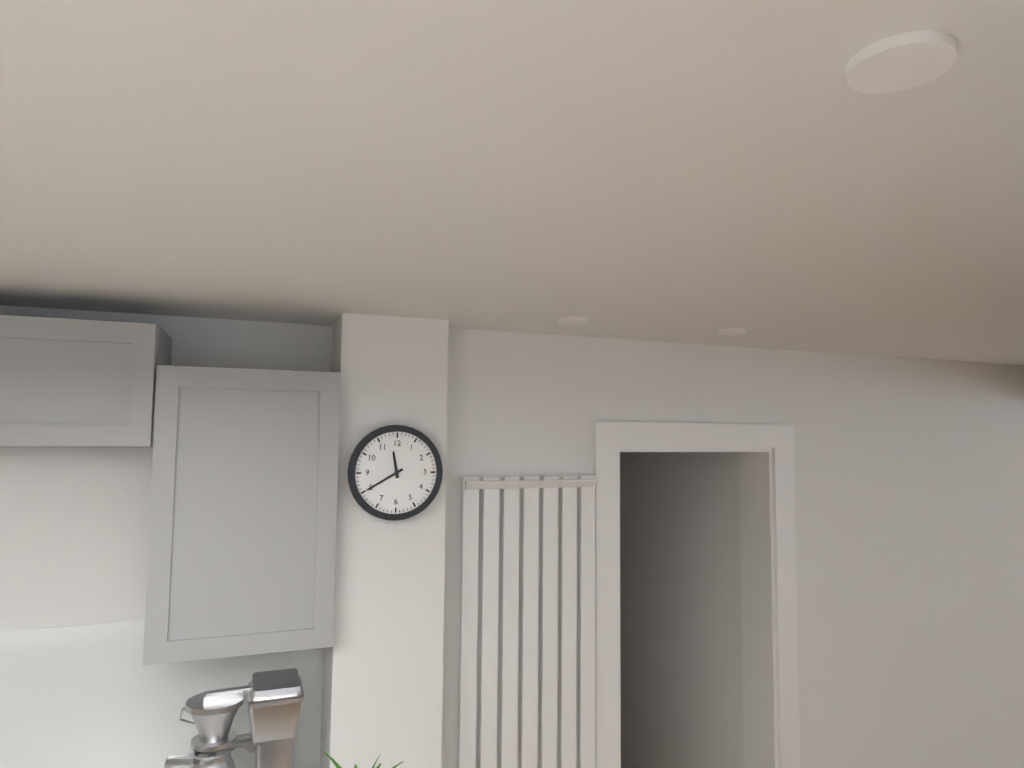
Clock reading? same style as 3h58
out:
11h40
